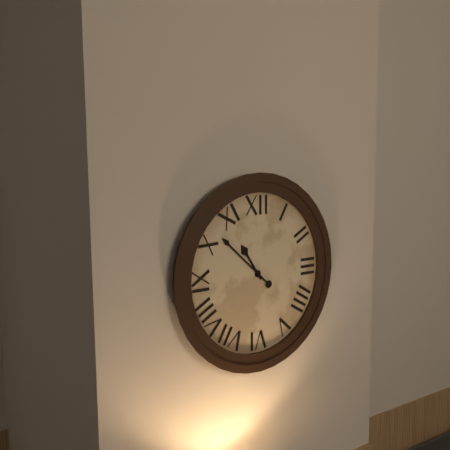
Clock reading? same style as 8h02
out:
10h52
